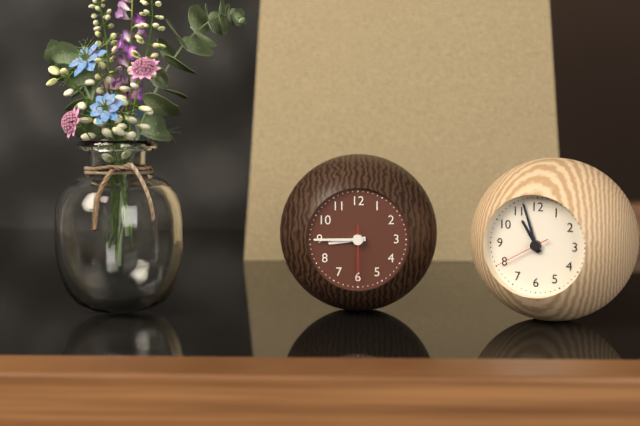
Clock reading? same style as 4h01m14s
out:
8h45m30s
